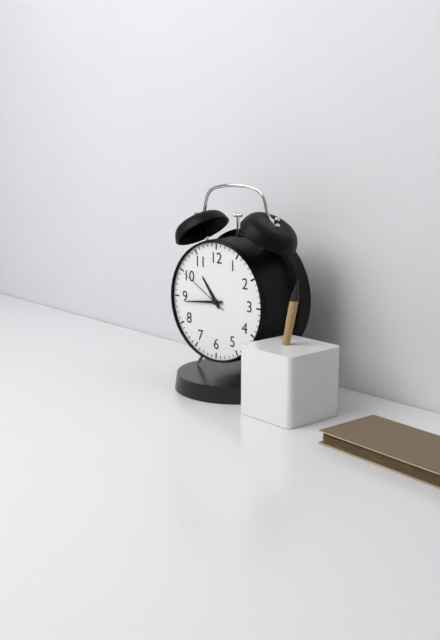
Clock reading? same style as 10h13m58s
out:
10h44m50s
